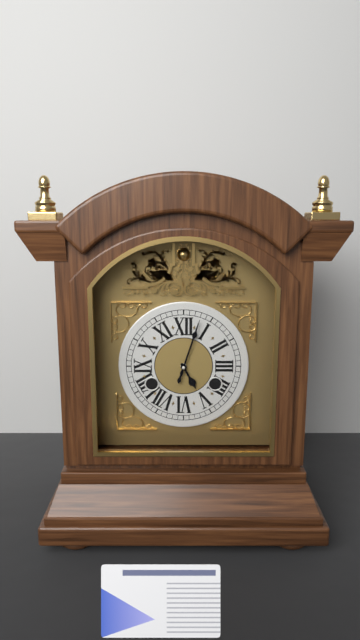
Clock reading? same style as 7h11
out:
5h03
